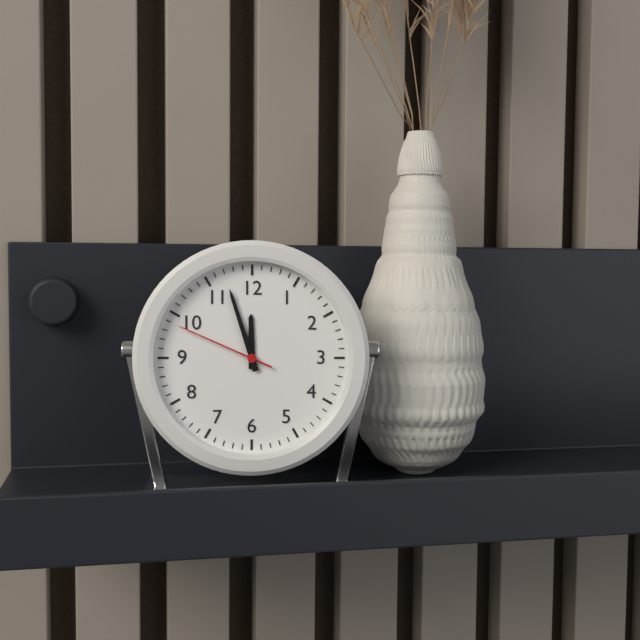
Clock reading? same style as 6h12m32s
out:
11h57m49s
